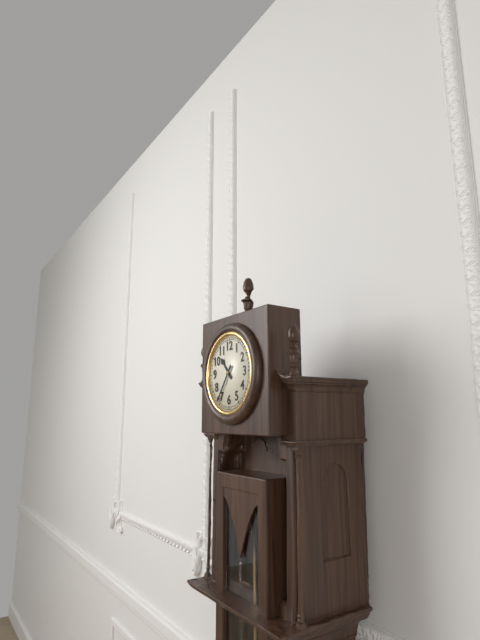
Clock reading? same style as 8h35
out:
10h36
